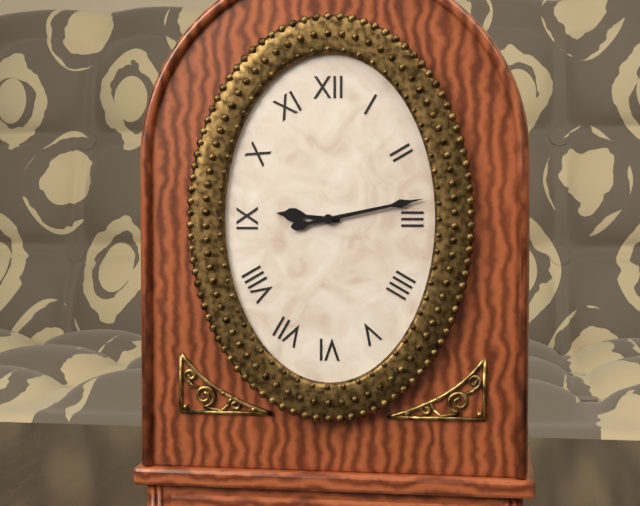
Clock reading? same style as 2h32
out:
9h13
